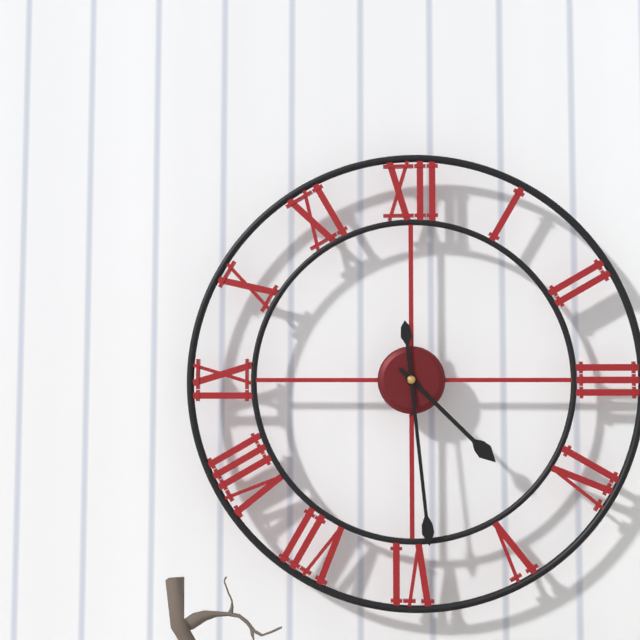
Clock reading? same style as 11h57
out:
4h29
